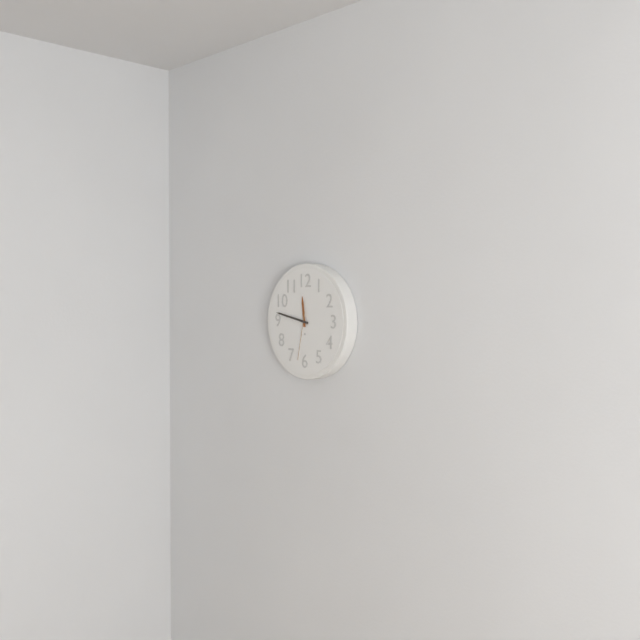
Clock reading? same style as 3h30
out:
11h47
